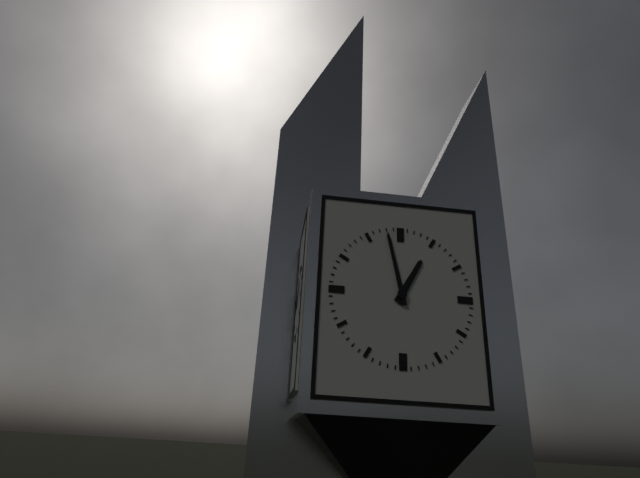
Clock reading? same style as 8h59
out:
12h58
